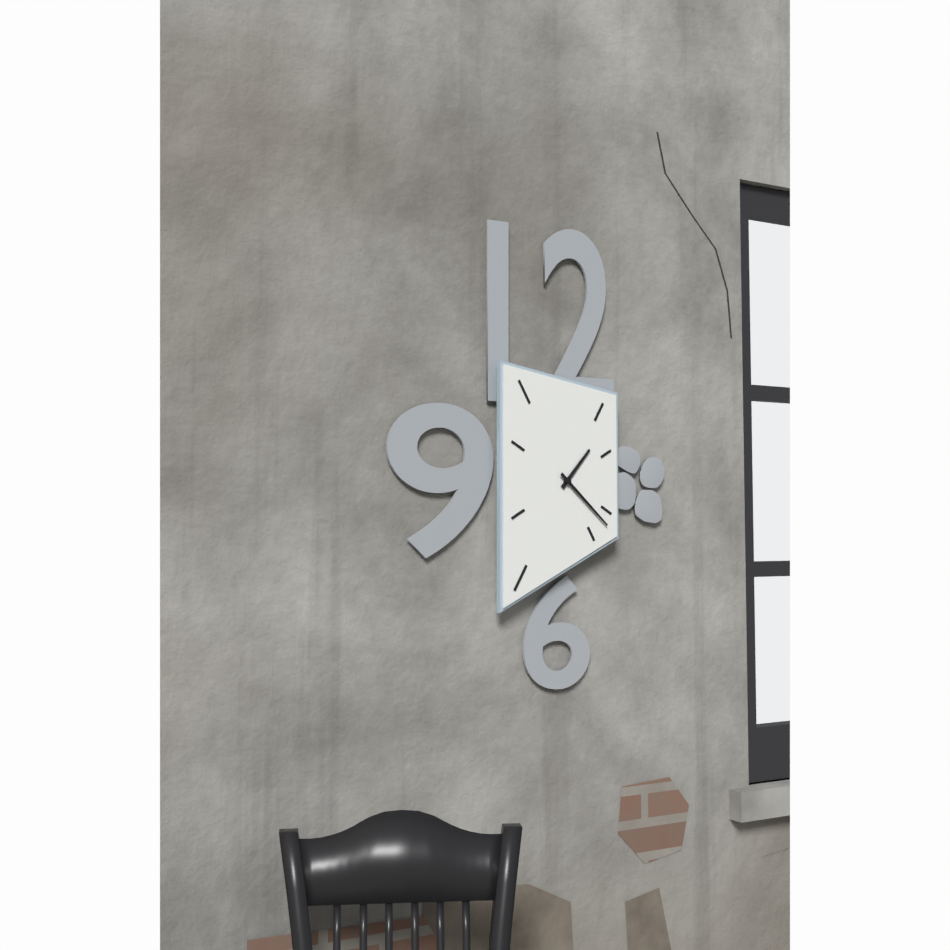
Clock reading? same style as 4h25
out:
1h22
